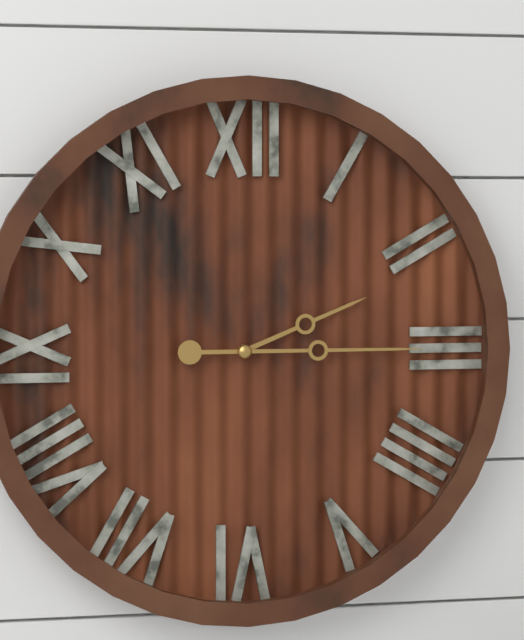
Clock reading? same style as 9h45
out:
2h15
